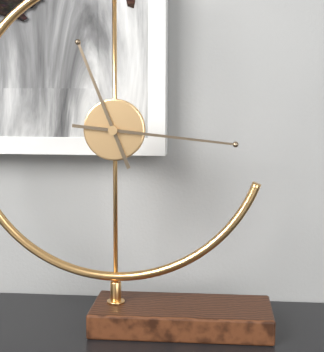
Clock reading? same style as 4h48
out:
11h16
